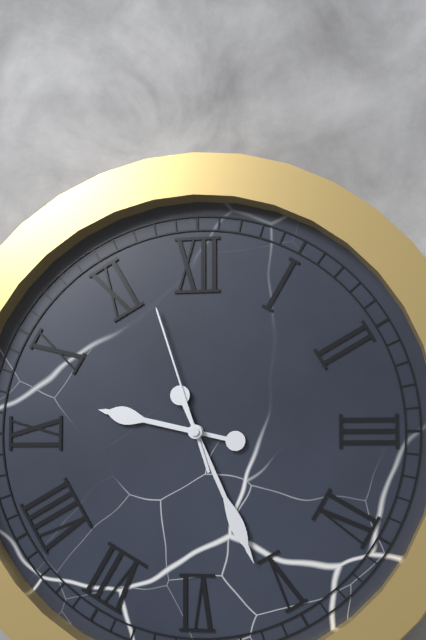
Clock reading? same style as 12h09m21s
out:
9h26m57s
